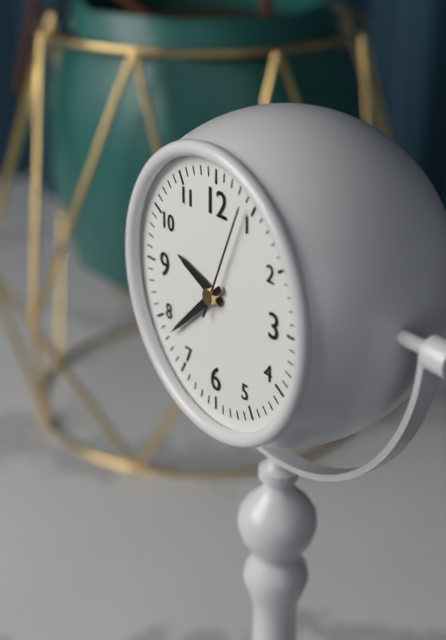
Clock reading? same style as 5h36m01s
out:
9h38m04s
